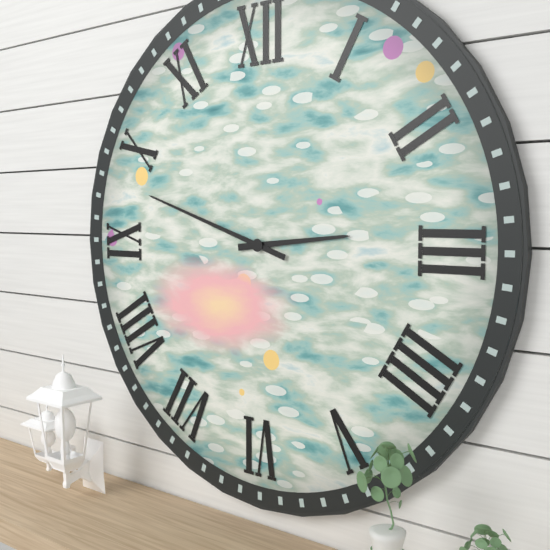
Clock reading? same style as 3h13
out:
2h48
